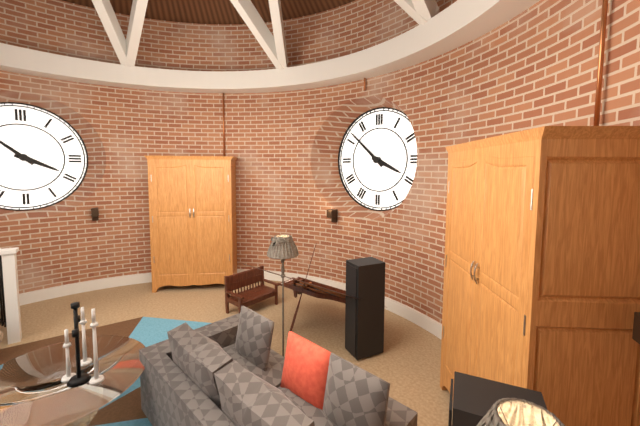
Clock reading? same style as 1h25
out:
3h52
